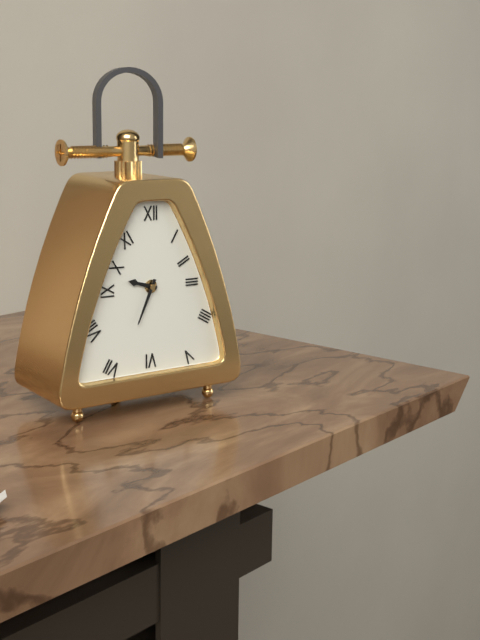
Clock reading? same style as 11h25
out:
9h34
